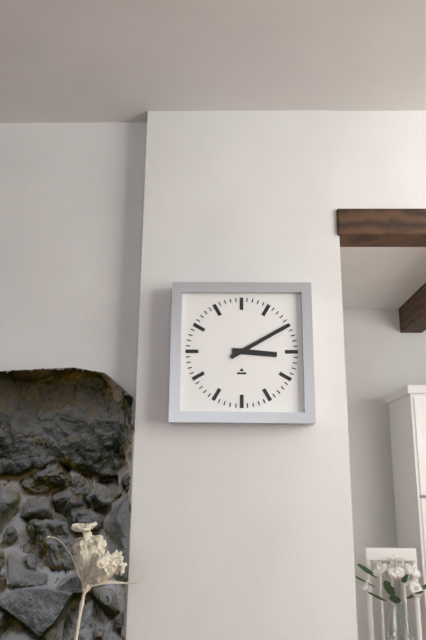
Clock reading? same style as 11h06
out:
3h10
